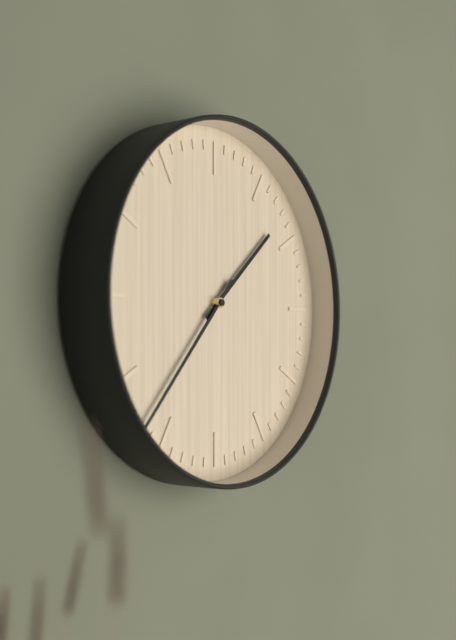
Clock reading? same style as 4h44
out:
1h37
